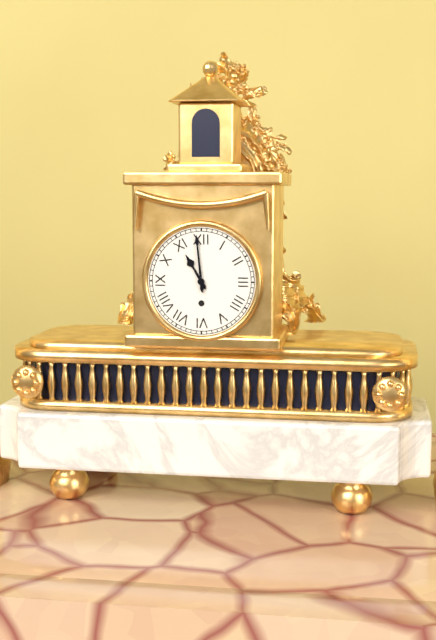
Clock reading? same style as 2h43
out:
10h59
